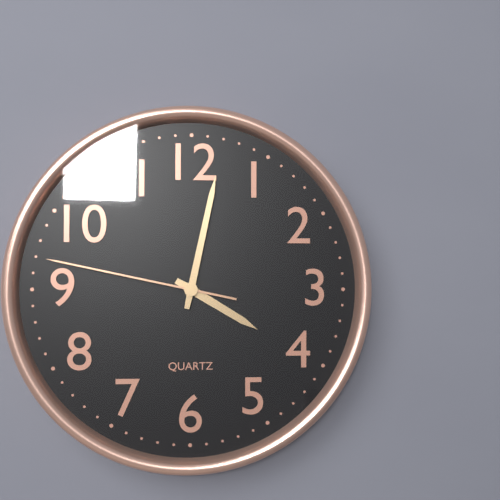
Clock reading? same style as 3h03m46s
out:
4h02m47s
